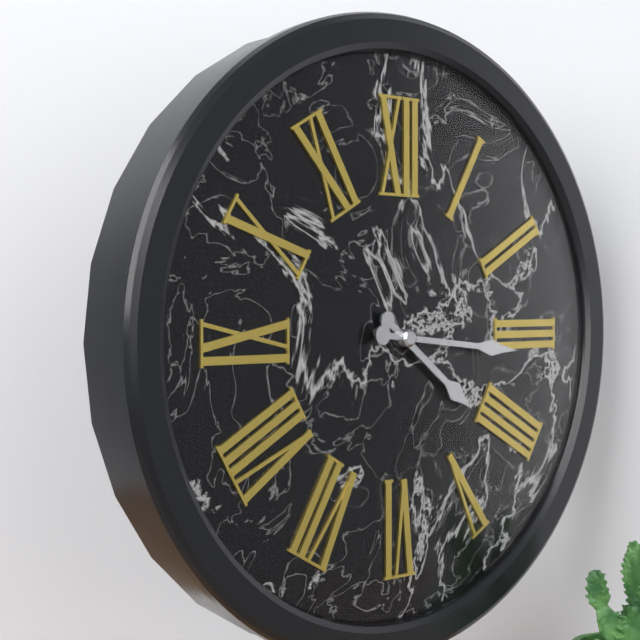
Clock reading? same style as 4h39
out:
4h16
